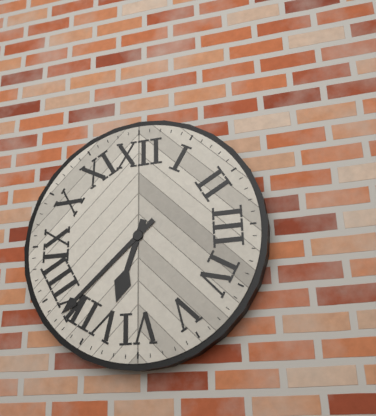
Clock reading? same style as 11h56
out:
6h38
